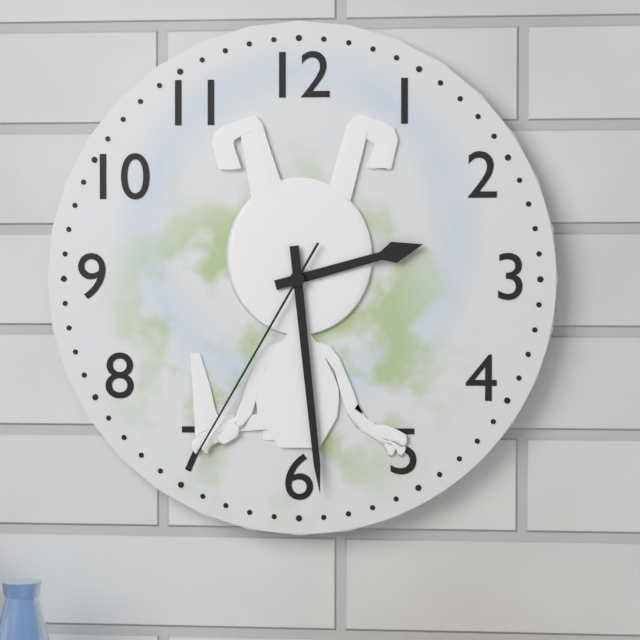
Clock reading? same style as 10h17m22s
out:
2h29m35s
